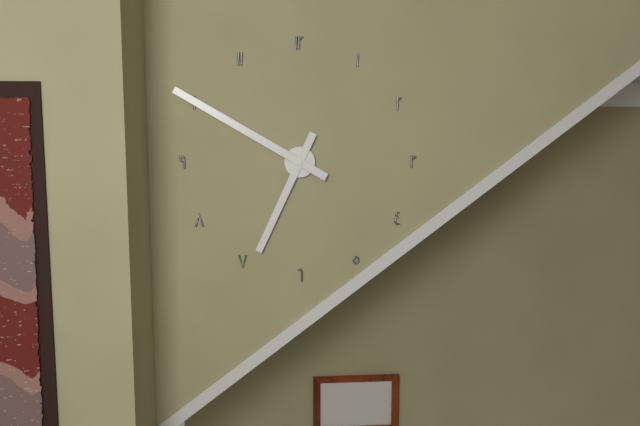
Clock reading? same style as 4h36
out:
6h50
